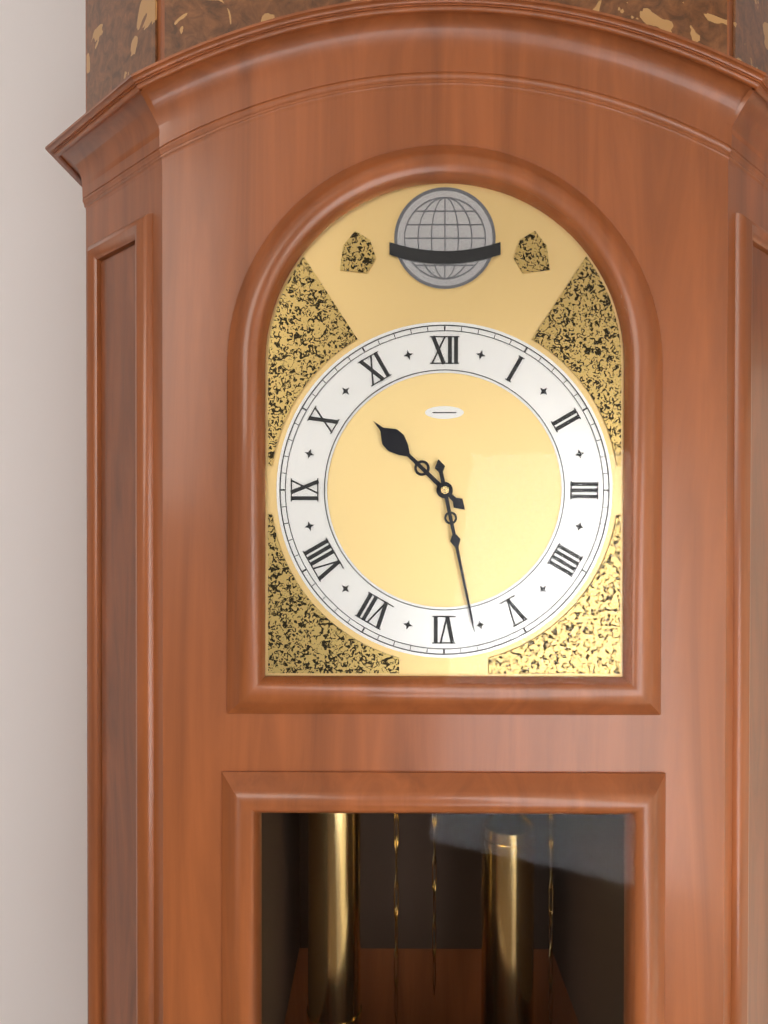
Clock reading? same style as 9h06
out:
10h28
